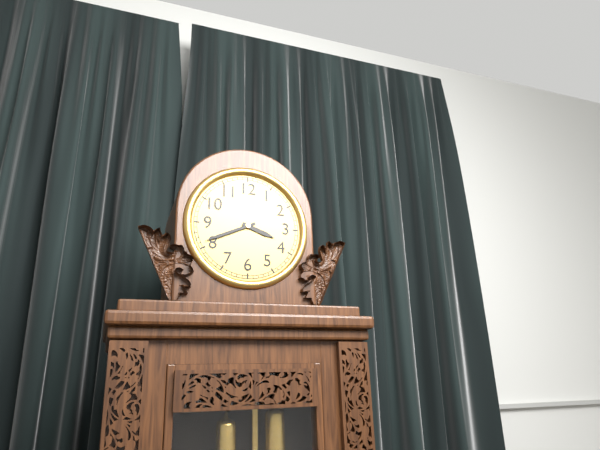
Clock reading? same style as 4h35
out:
3h41
